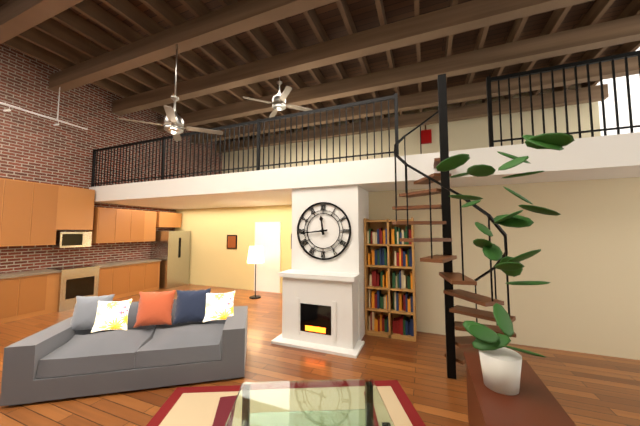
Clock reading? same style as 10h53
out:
11h44
